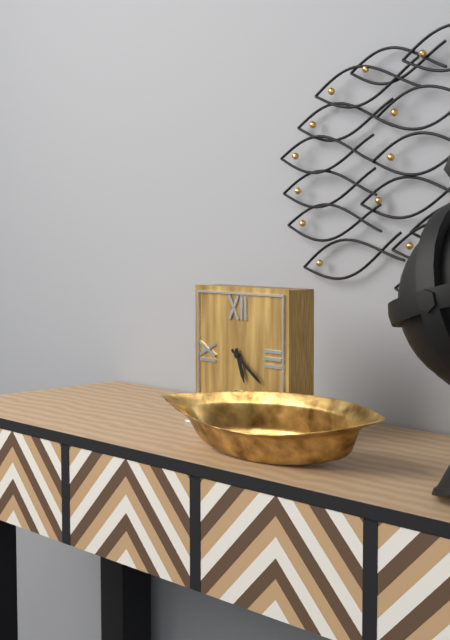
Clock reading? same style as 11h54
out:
5h21
